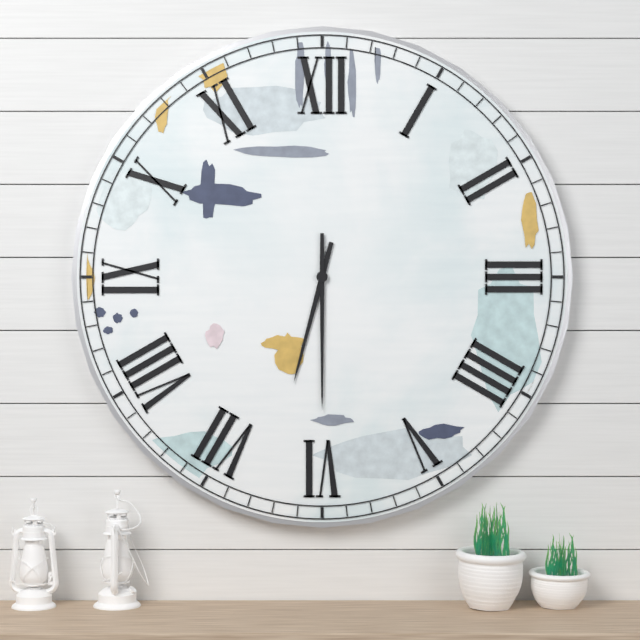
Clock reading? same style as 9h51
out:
6h30
